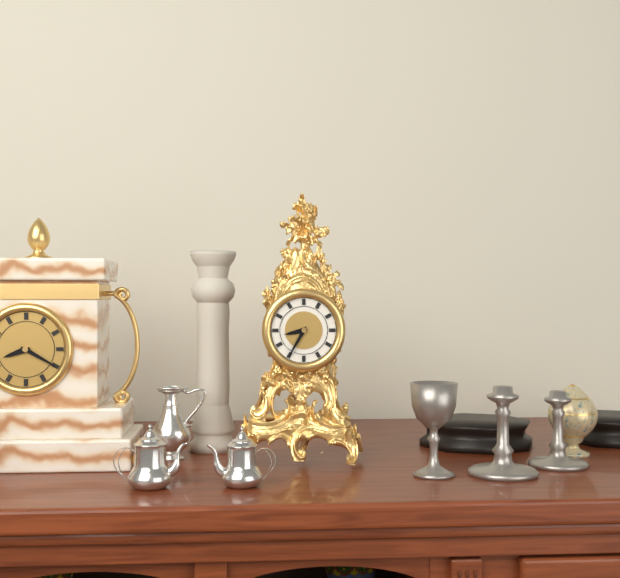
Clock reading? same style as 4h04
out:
8h35
